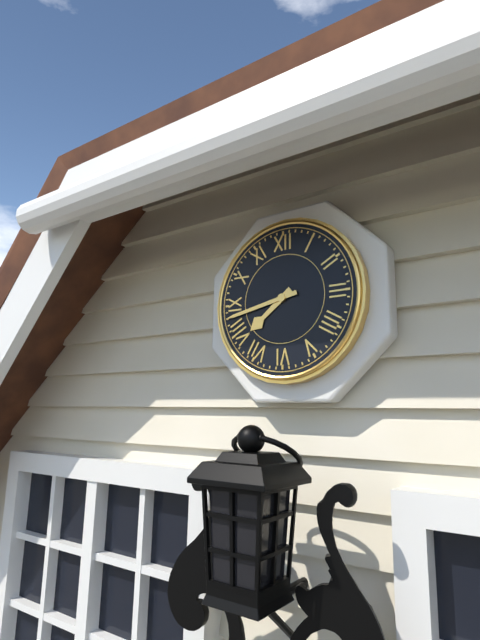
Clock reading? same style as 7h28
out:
7h43
